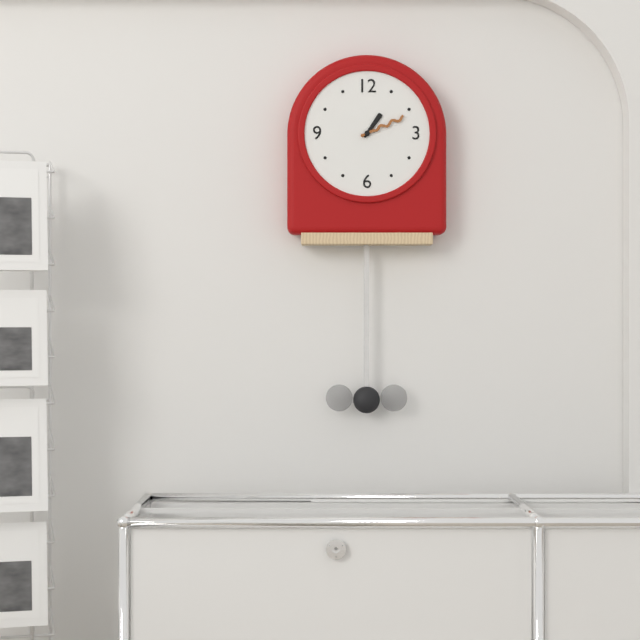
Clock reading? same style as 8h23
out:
1h11
